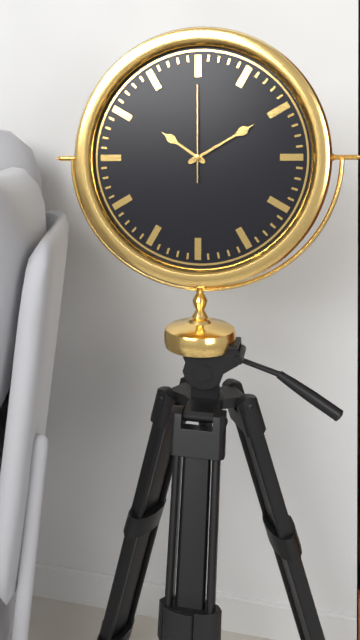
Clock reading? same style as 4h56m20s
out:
10h10m00s
